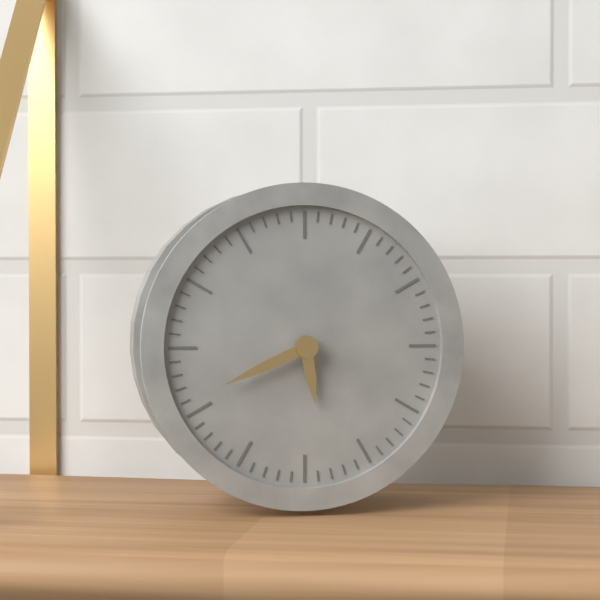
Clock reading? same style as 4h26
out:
5h41
